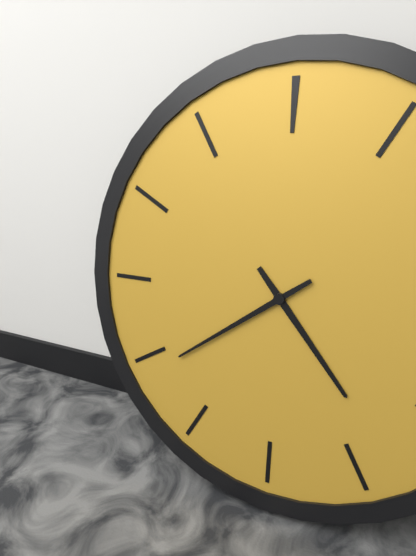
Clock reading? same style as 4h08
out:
4h39
